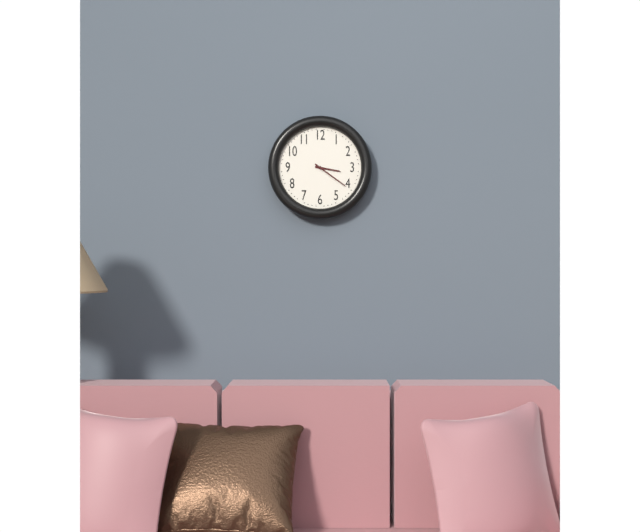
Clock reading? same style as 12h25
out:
3h21
